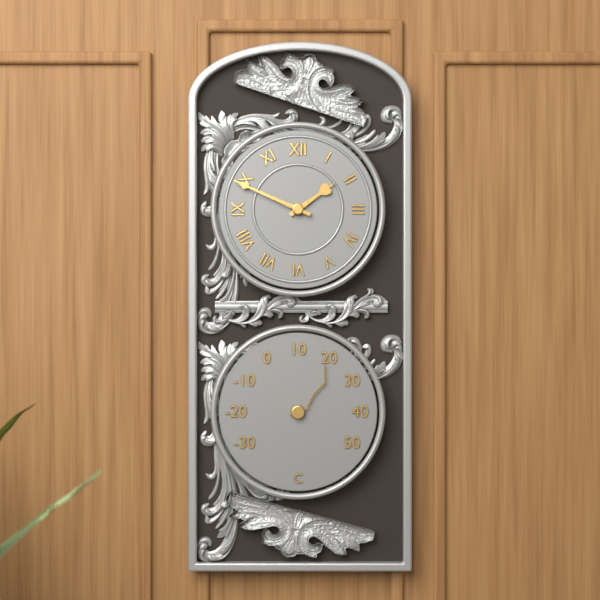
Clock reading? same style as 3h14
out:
1h49
